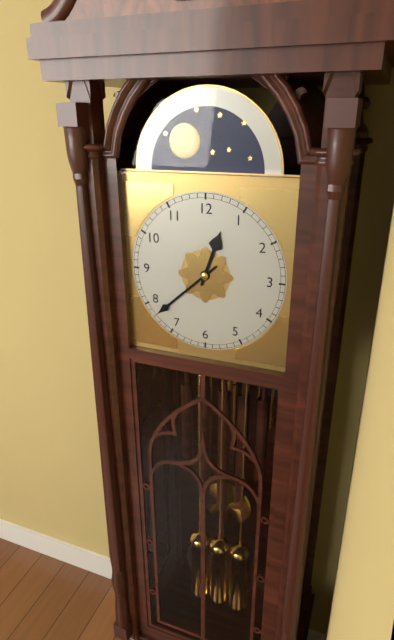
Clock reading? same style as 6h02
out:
12h38
